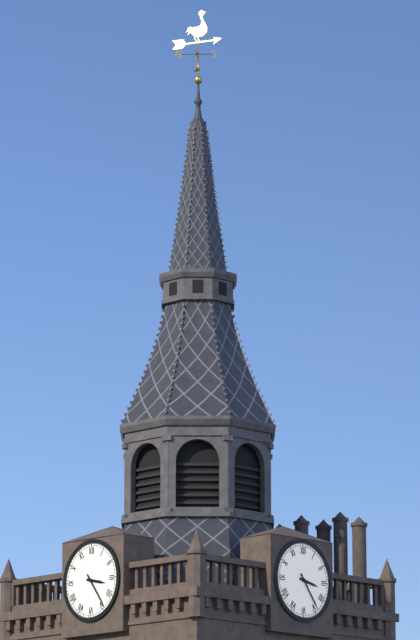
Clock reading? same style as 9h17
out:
3h24
